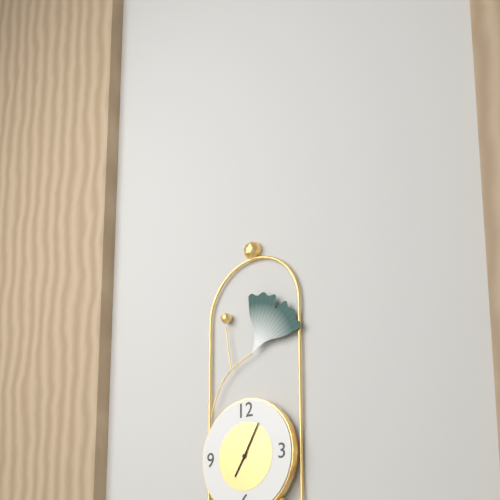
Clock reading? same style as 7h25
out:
7h05
